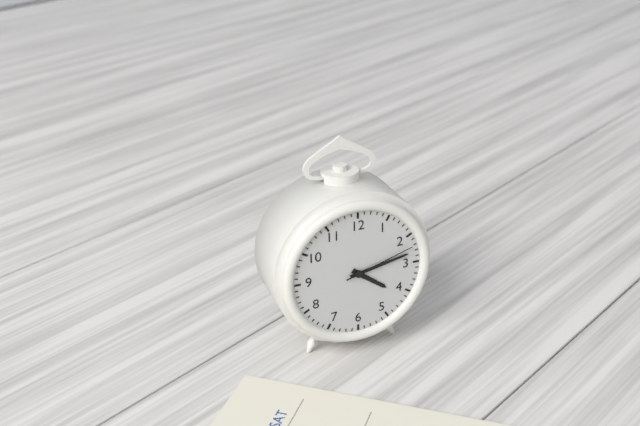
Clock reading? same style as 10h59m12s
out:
4h13m12s
